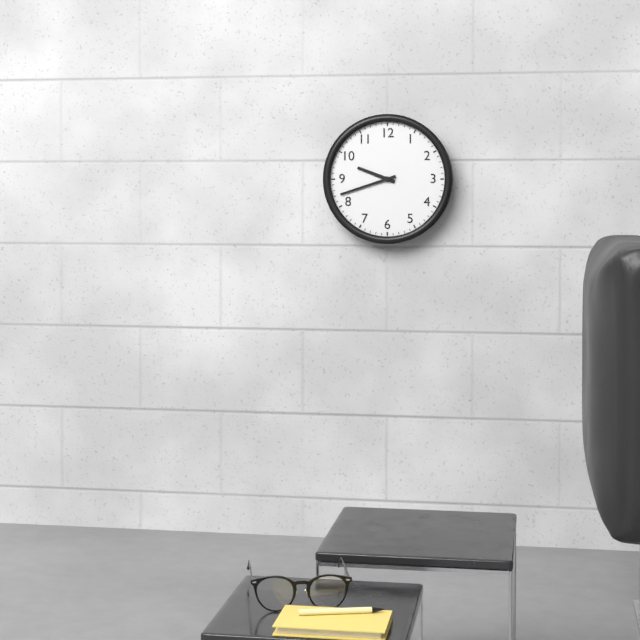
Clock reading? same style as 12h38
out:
9h42
